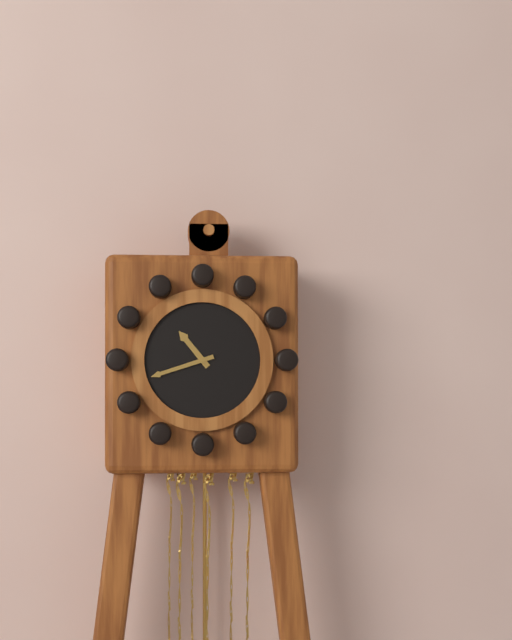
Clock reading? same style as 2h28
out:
10h42
